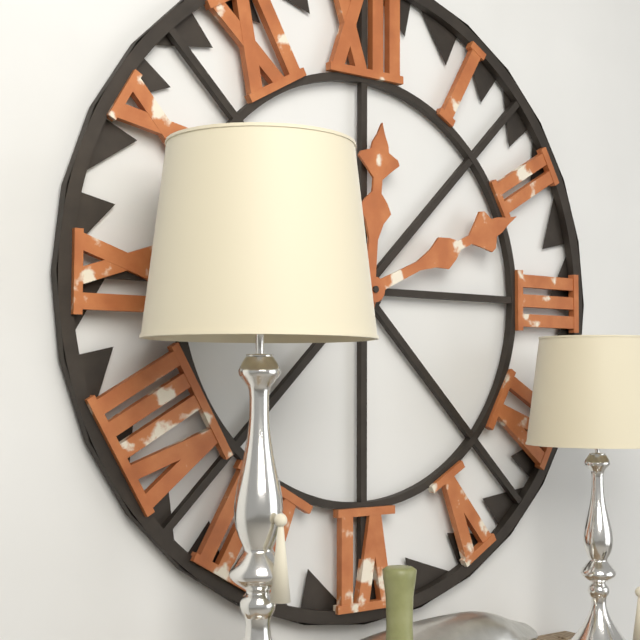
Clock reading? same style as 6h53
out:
12h11
